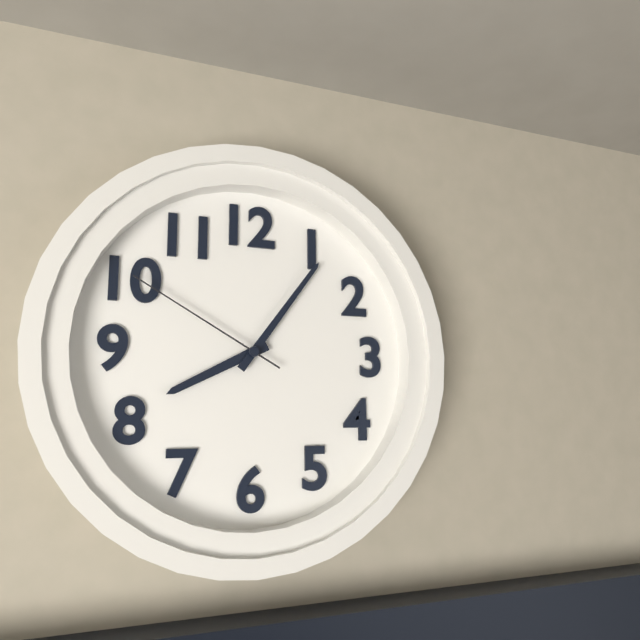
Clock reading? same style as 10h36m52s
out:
8h06m50s
